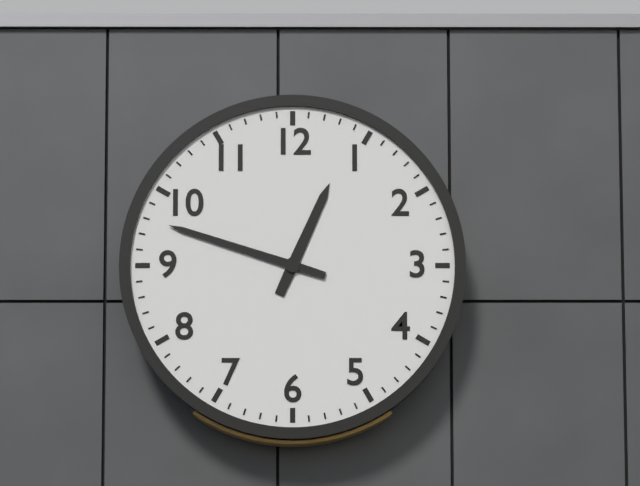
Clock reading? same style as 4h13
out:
12h48
